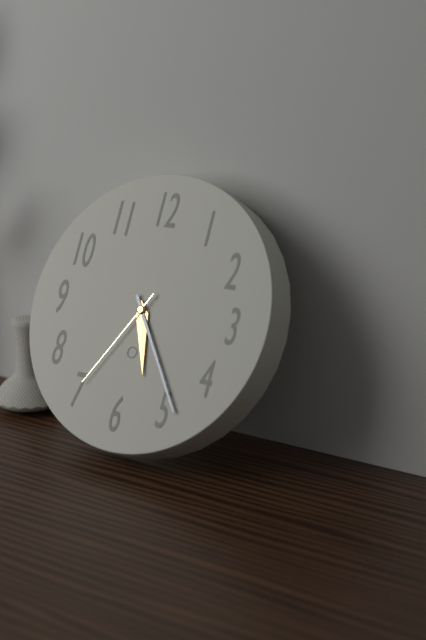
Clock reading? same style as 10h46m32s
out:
5h24m35s
